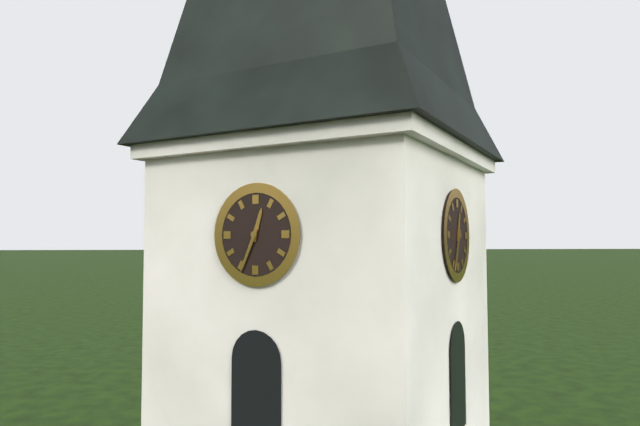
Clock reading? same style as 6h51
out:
12h34
